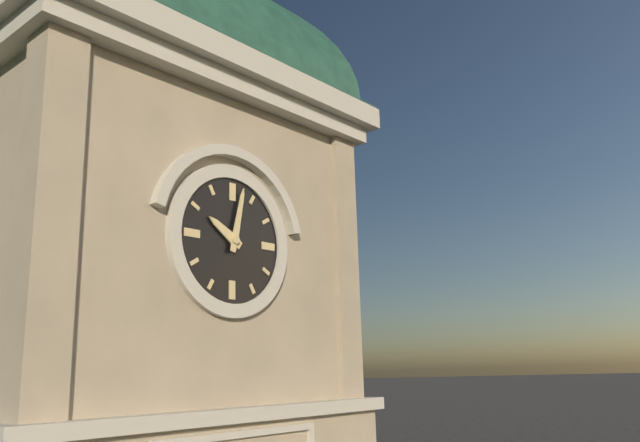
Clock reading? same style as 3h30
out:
10h02
